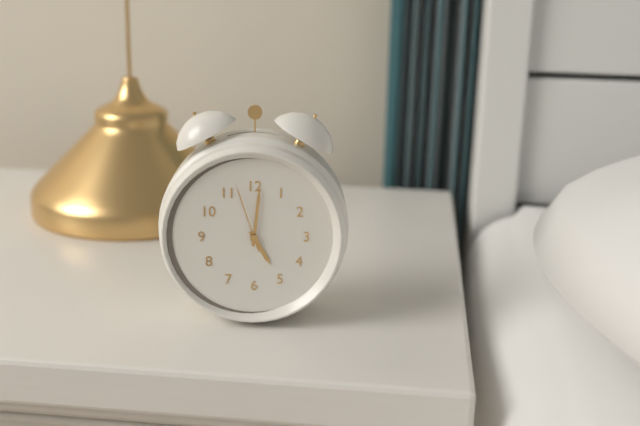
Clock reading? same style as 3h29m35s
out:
5h01m57s
